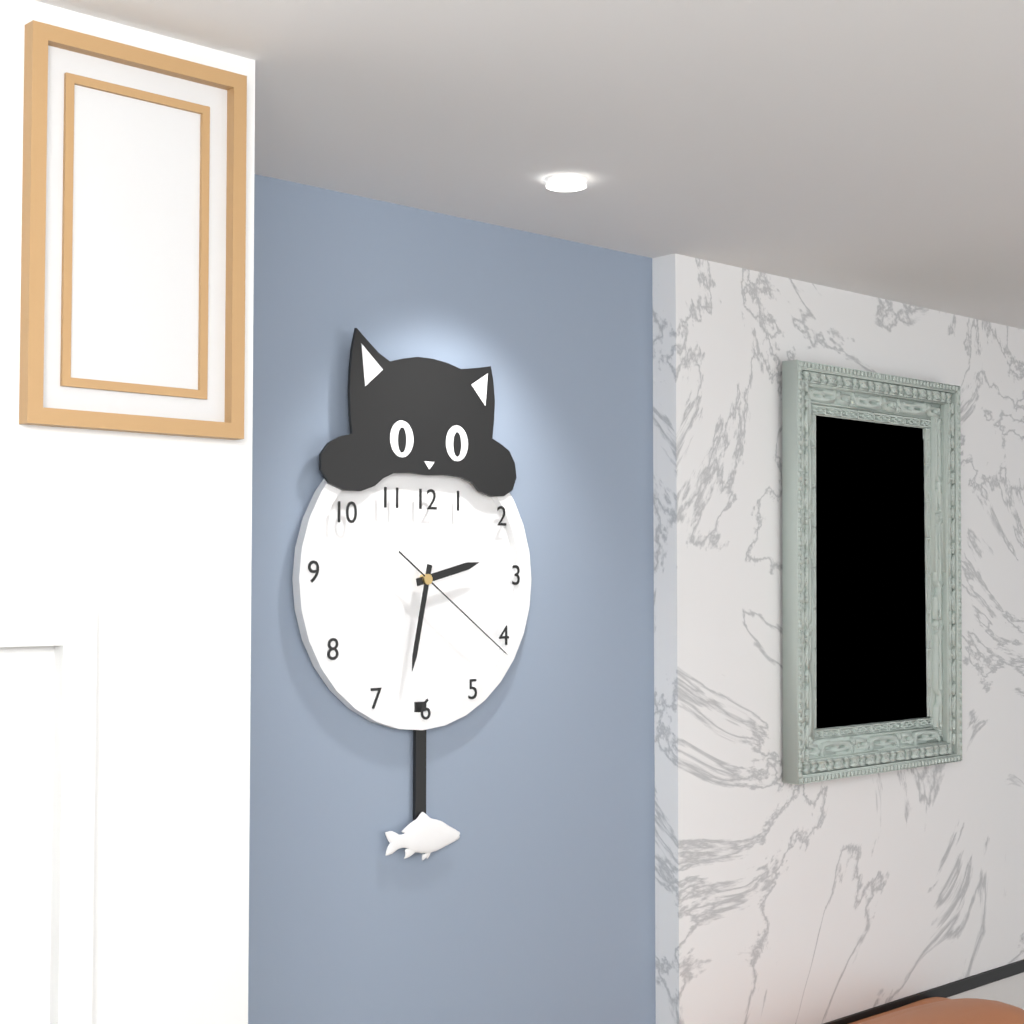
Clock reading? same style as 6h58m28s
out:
2h32m21s
